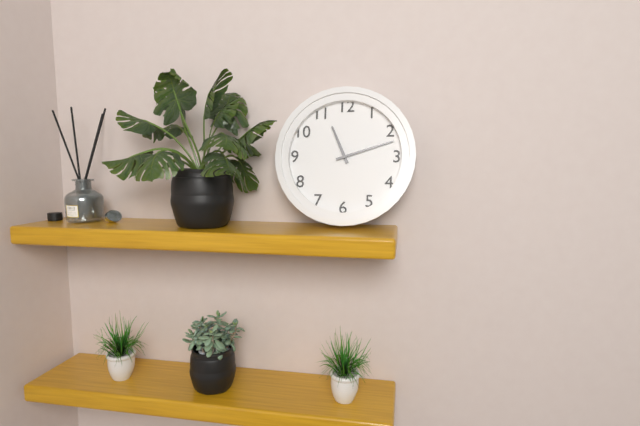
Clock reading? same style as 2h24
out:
11h12
